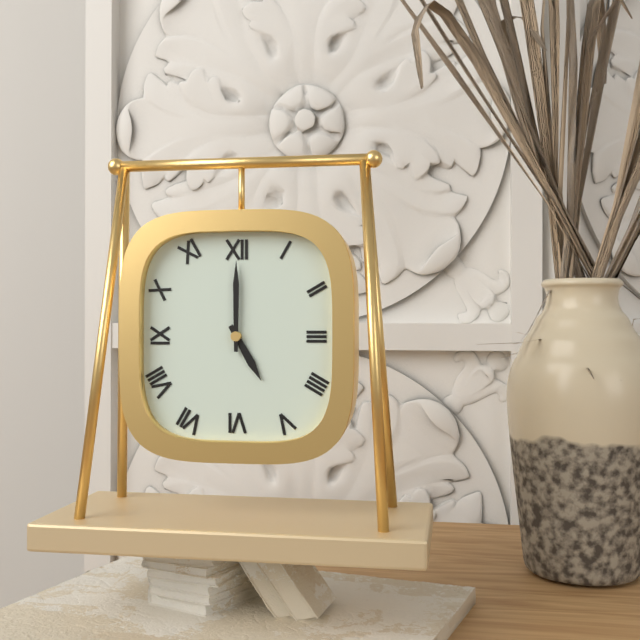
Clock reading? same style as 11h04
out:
5h00
